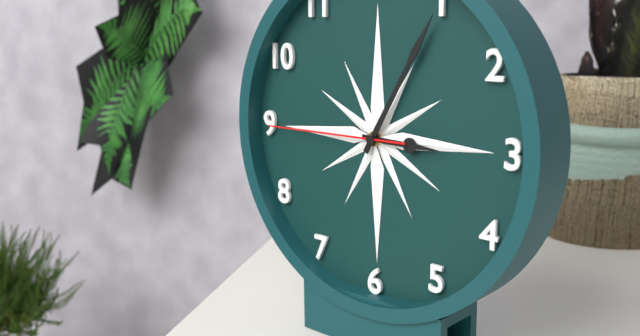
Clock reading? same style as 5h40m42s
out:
3h05m45s
